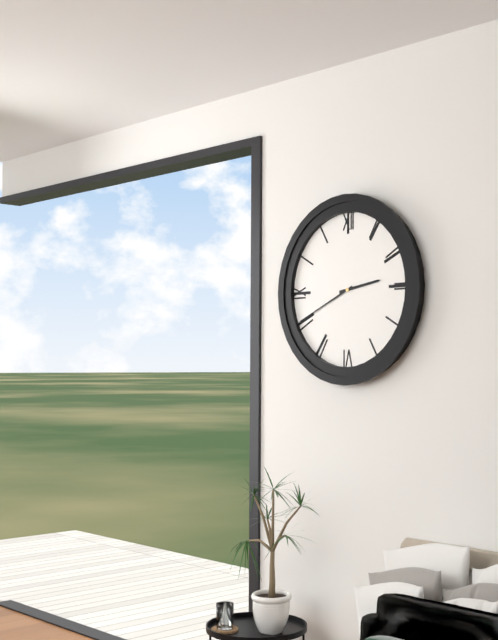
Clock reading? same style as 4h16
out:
2h41
